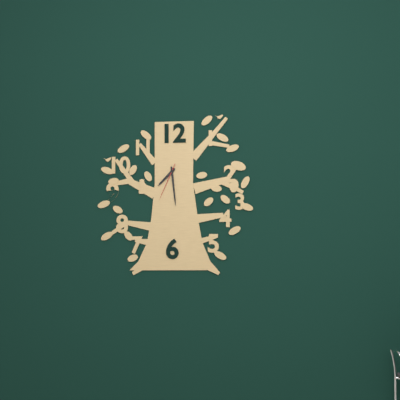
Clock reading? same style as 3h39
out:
7h29
